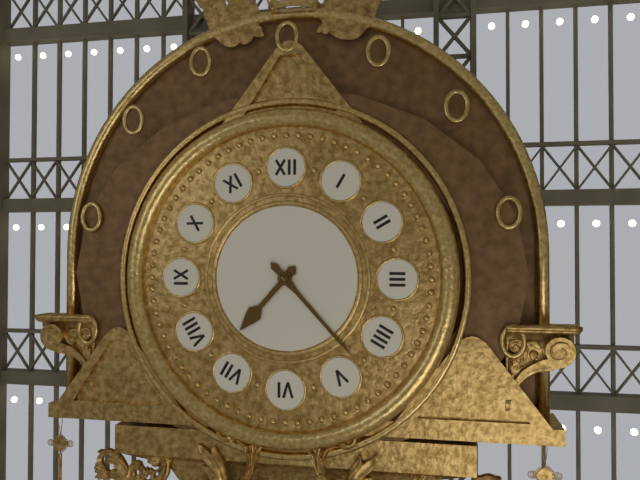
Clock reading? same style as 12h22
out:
7h23
